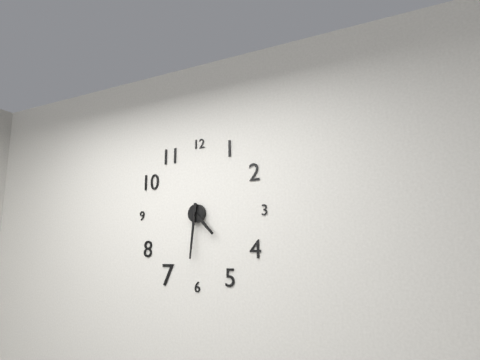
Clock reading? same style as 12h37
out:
4h31
